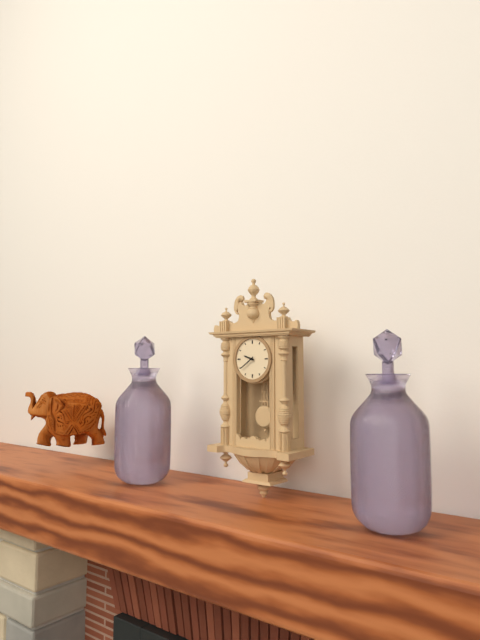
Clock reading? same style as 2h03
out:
9h39
